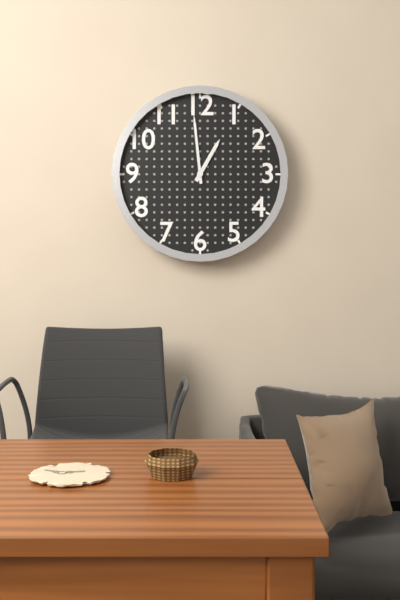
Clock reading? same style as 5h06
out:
12h59
